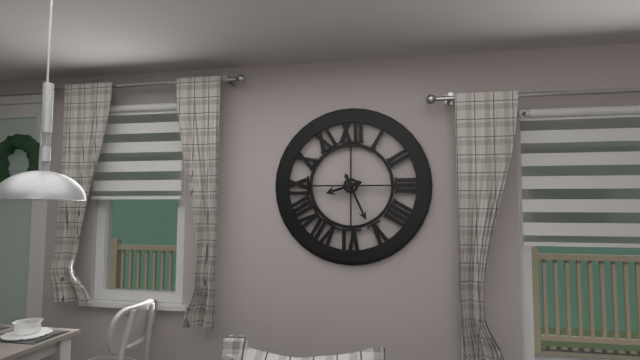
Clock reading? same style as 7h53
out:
8h26
